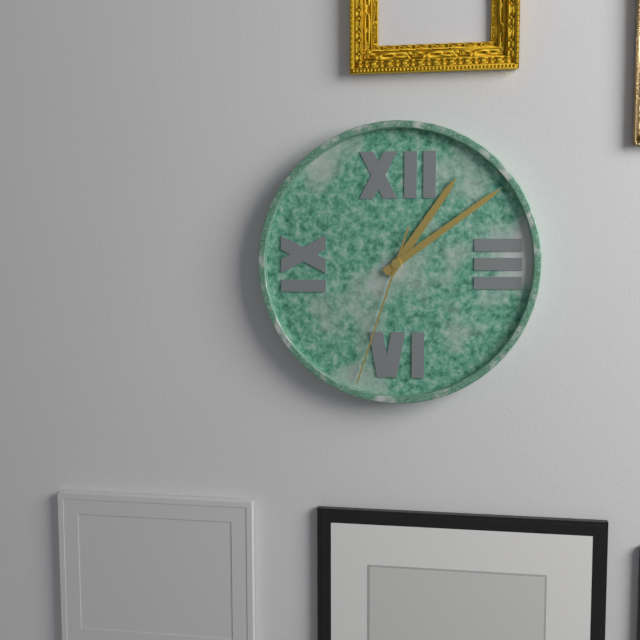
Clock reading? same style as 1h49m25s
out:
1h09m33s
